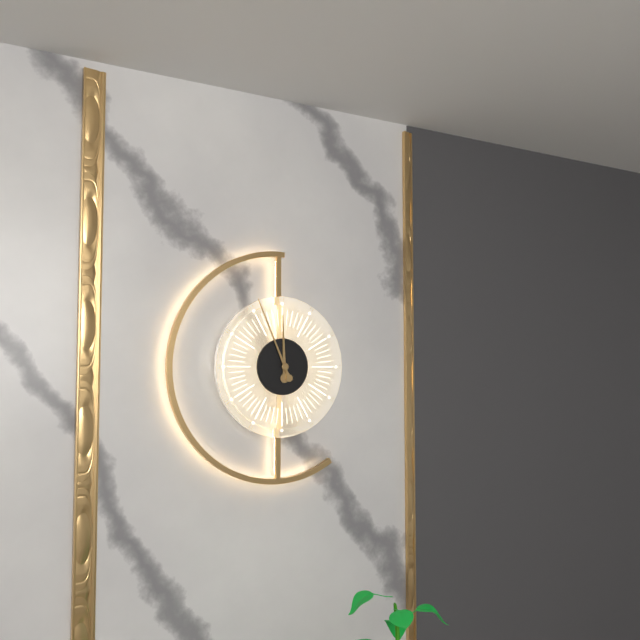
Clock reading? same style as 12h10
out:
11h56
